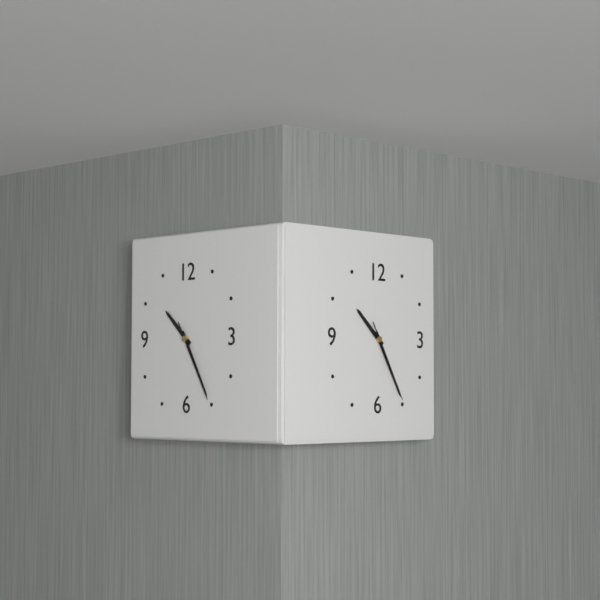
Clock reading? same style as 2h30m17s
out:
10h25m25s
